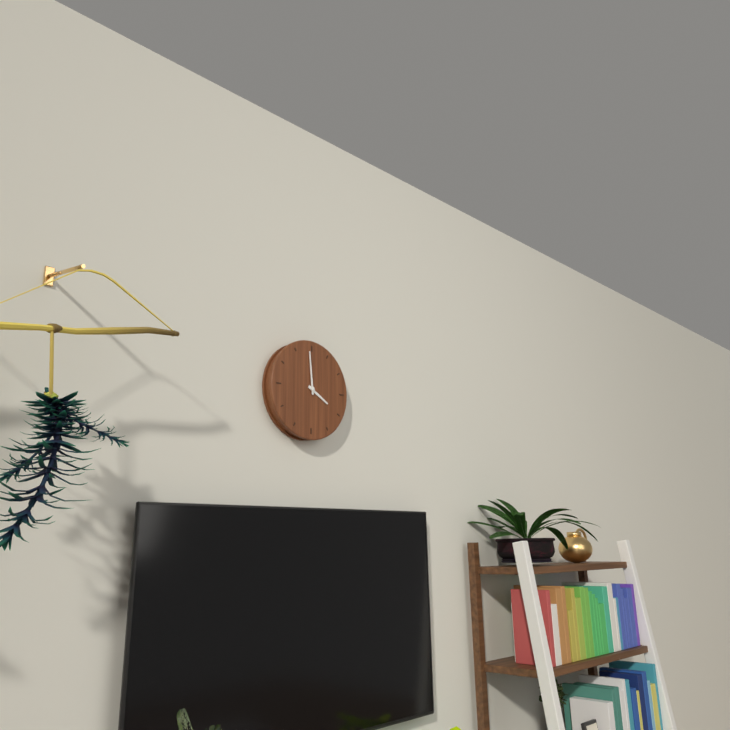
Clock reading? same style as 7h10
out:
3h59
